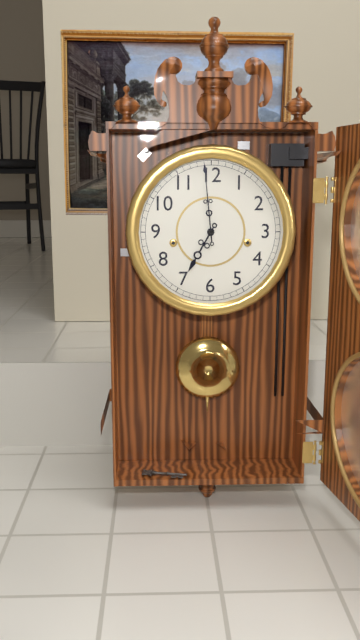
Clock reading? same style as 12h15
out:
6h59
